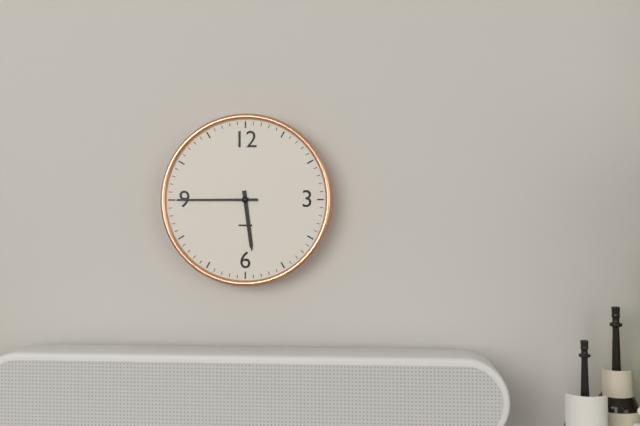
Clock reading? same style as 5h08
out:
5h45
